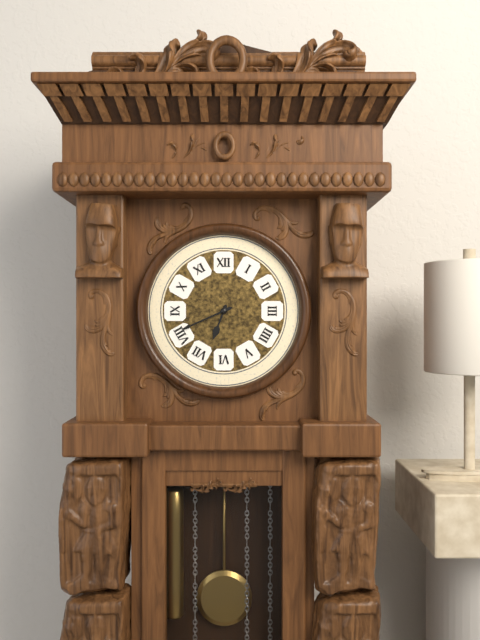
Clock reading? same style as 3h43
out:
6h41
